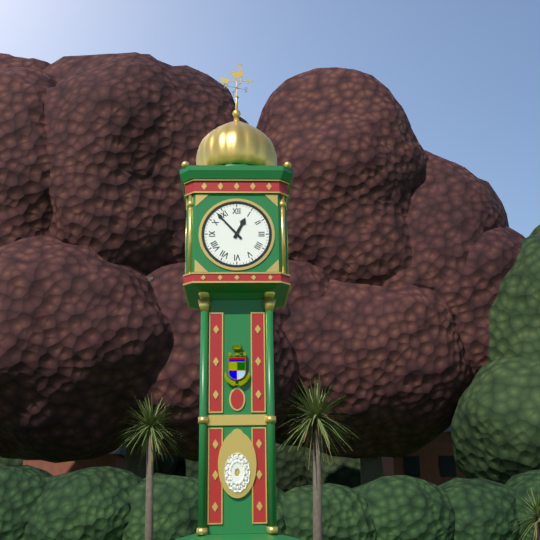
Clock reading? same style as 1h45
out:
12h53
